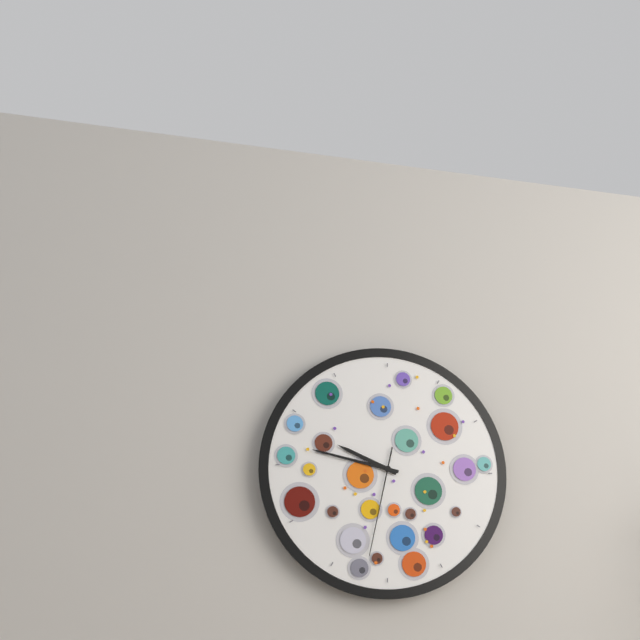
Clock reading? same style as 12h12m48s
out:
9h47m32s
